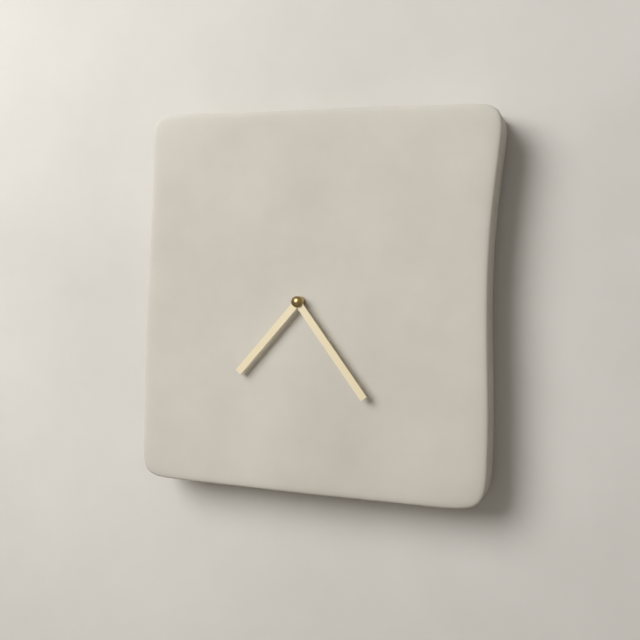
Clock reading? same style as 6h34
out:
7h24
